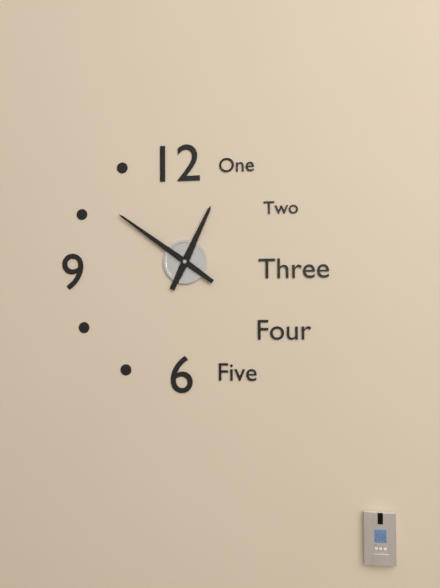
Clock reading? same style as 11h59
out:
12h51
